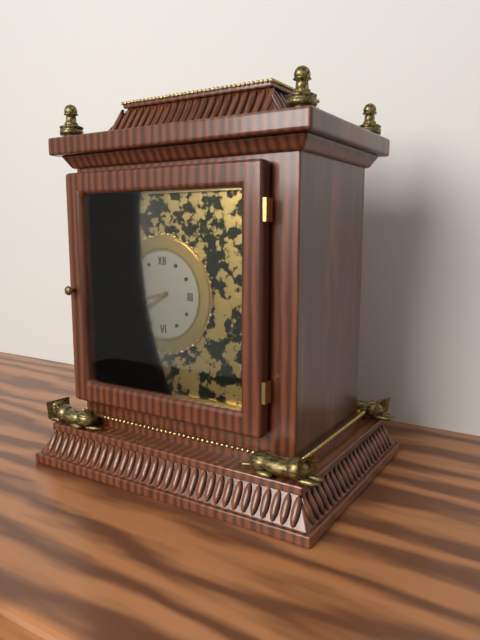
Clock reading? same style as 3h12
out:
8h39
